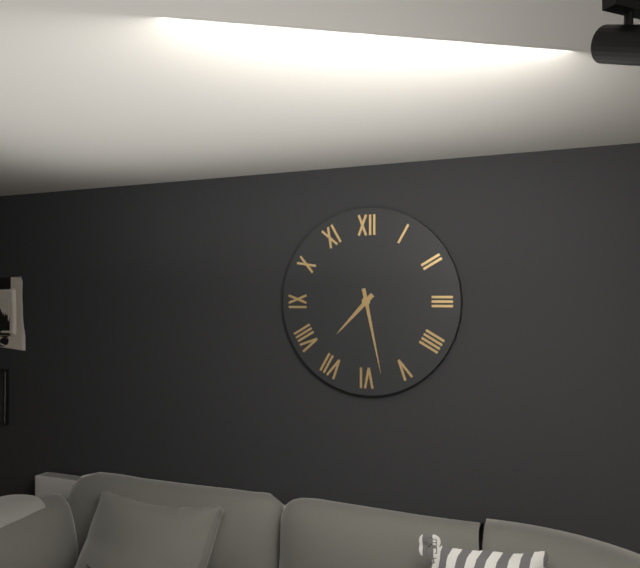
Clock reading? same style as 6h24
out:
7h28
